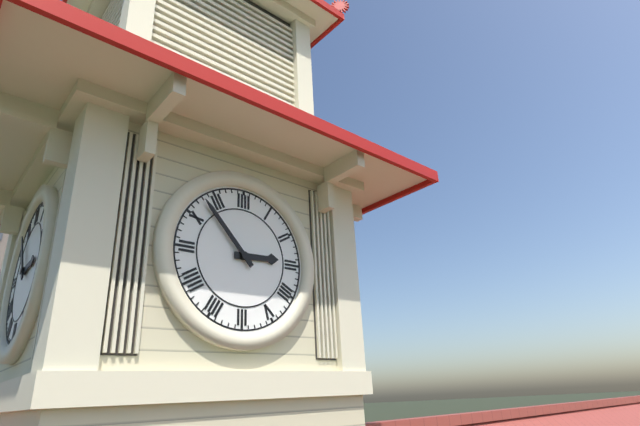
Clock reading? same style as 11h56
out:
2h53
